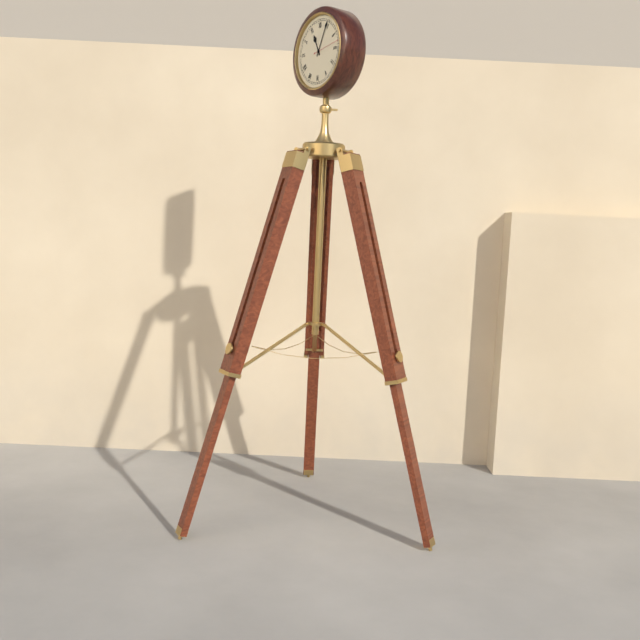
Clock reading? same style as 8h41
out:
11h04
